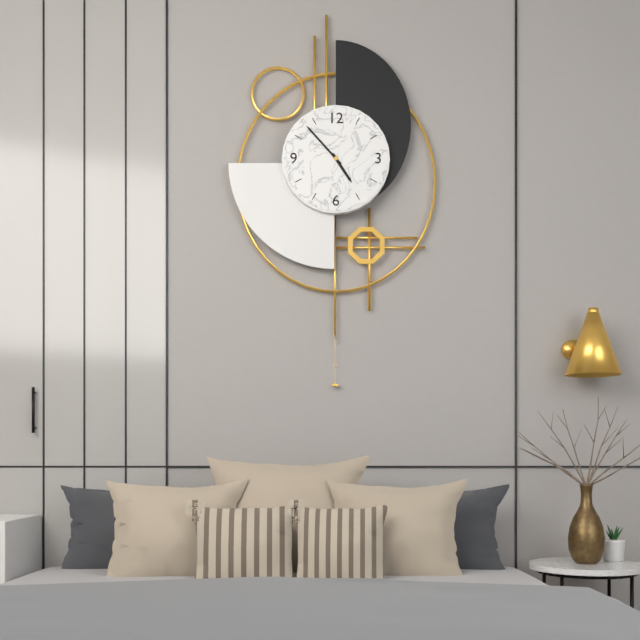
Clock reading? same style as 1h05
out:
4h53
